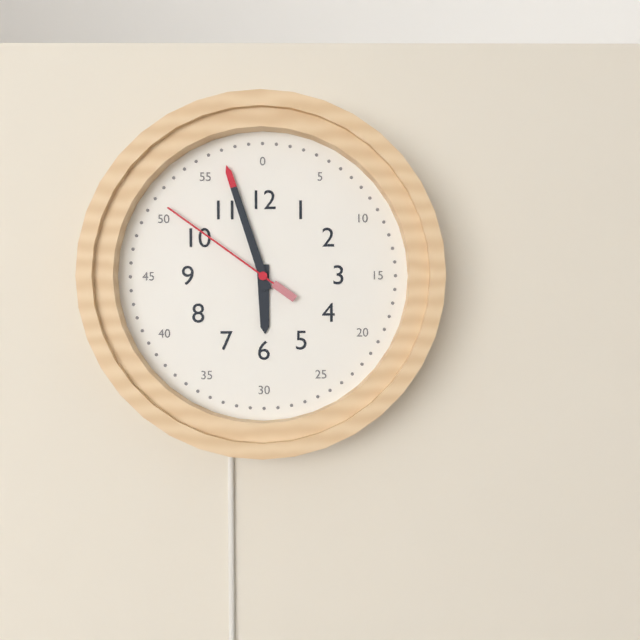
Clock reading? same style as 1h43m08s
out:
5h57m51s
